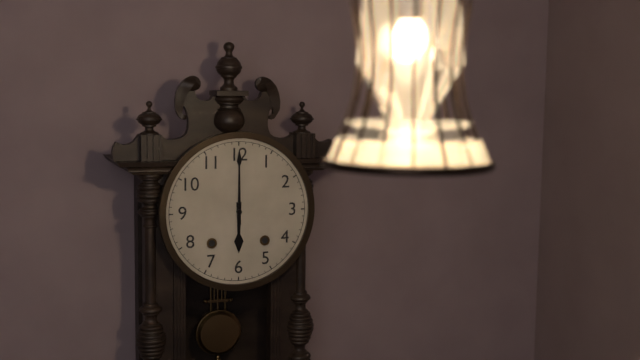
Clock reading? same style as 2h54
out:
6h00
